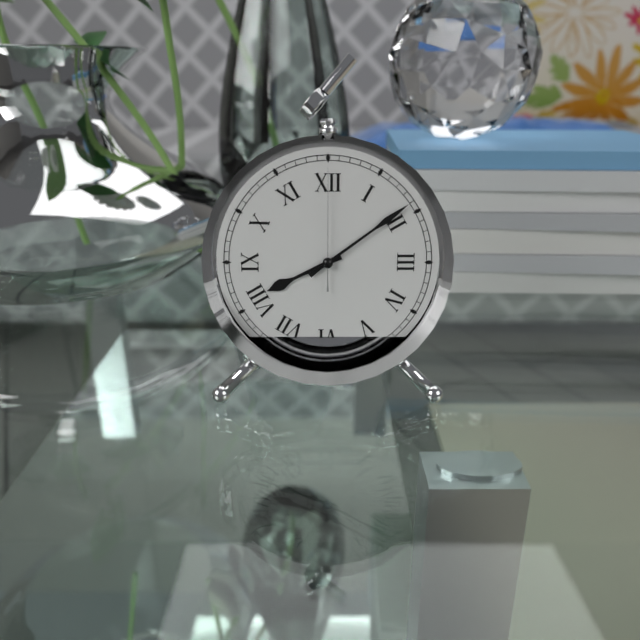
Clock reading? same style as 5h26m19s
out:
8h09m00s
